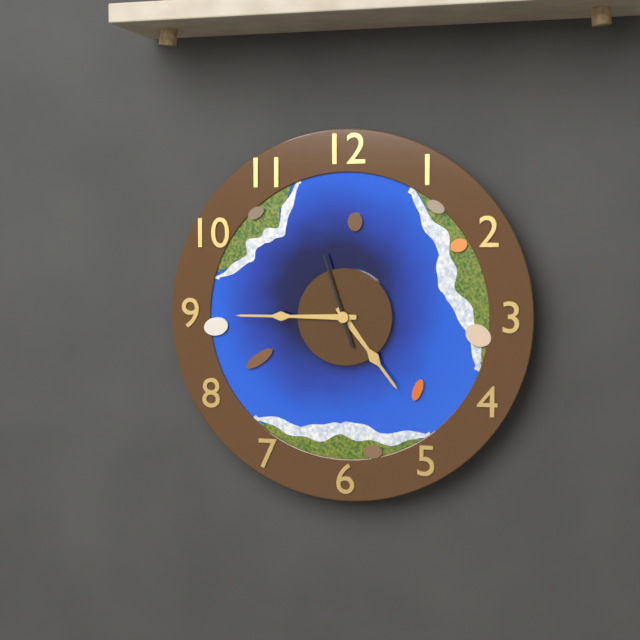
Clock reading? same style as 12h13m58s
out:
4h45m57s
